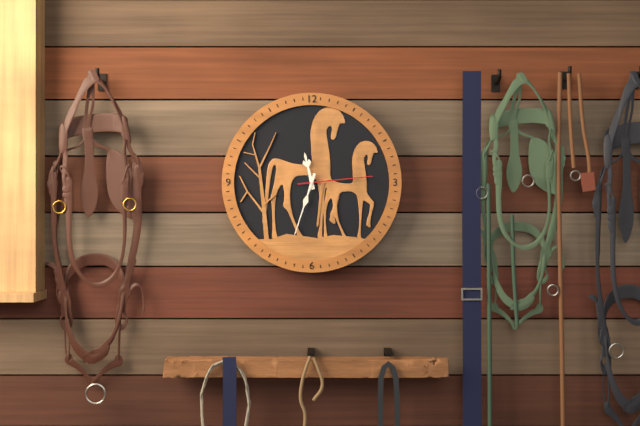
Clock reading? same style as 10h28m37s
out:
11h33m14s
